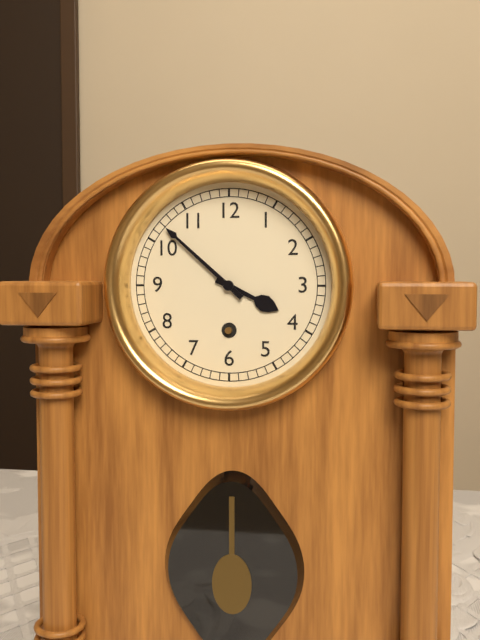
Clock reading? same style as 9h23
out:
3h52
